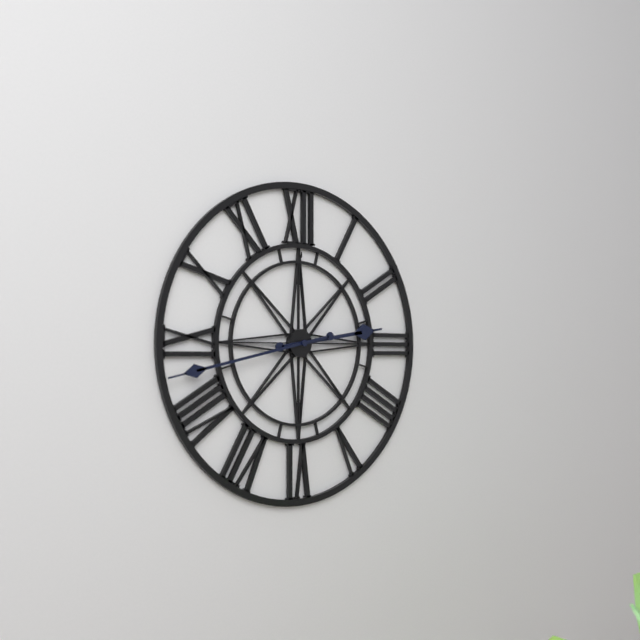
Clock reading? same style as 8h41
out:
2h43
